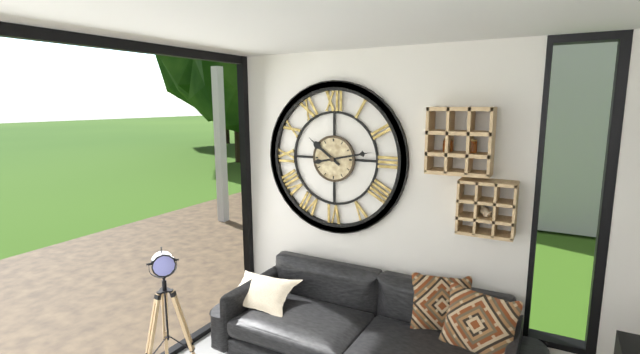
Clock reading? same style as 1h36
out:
10h13
